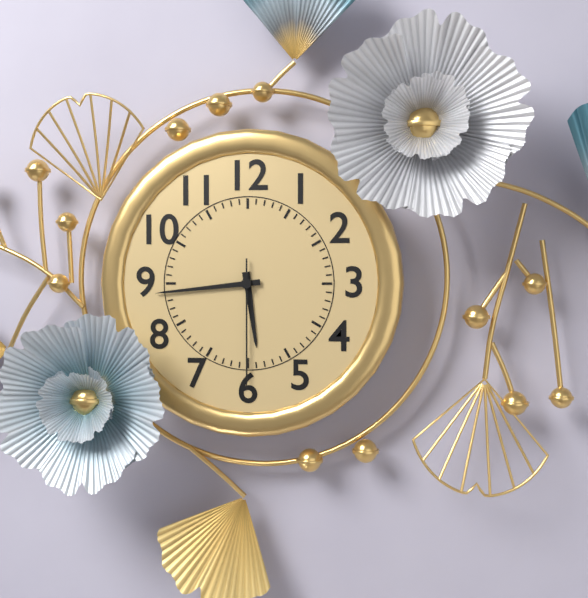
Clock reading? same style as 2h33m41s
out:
5h44m30s
